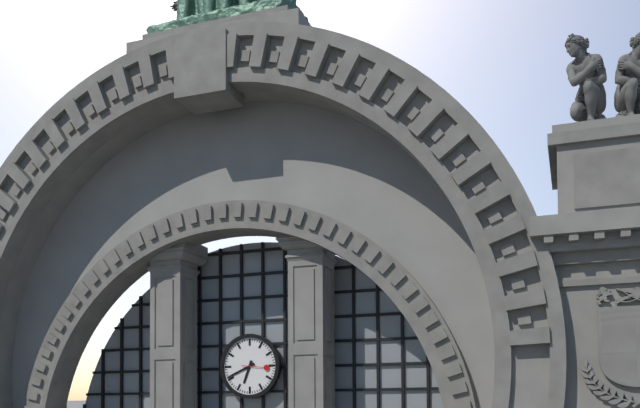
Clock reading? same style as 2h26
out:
6h41
